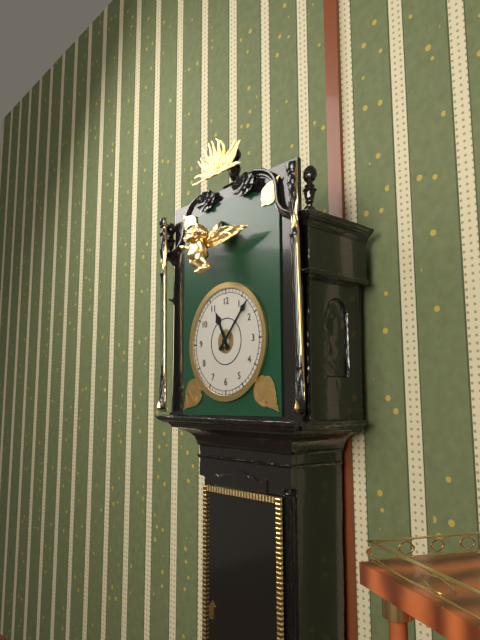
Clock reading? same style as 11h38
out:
11h07
